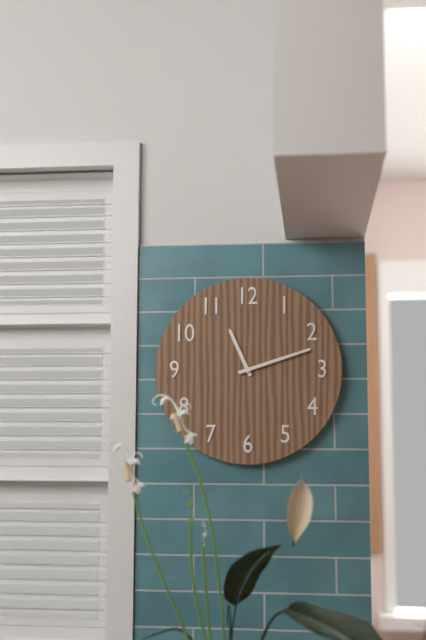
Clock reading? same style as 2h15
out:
11h12
